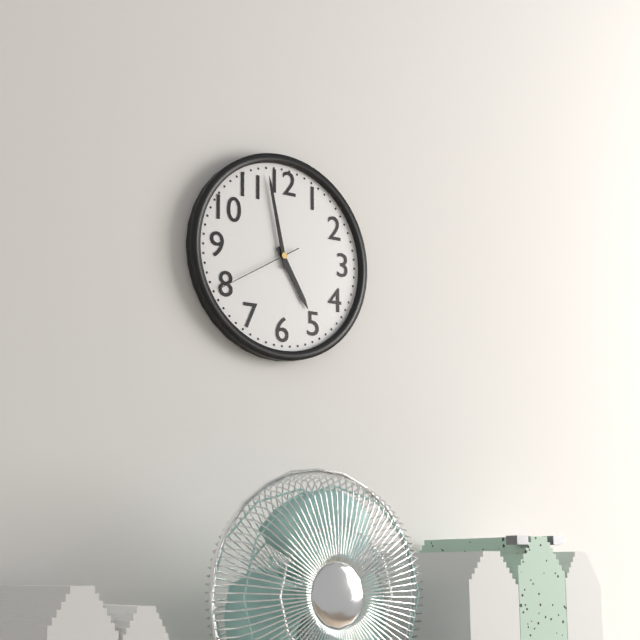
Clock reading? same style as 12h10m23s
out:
4h58m40s
